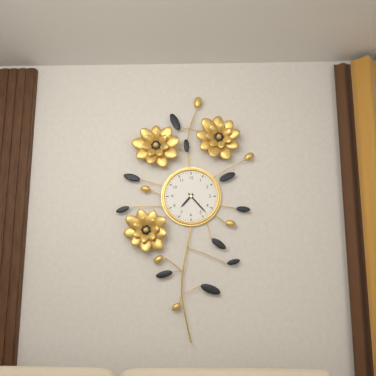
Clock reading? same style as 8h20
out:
7h23
